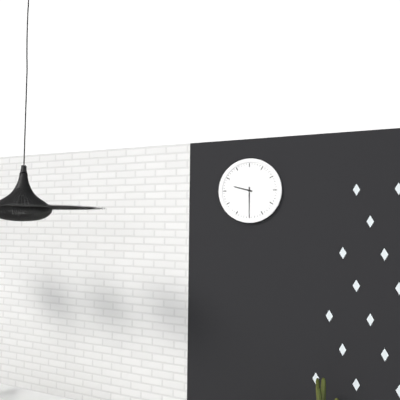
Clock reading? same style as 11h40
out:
9h30
